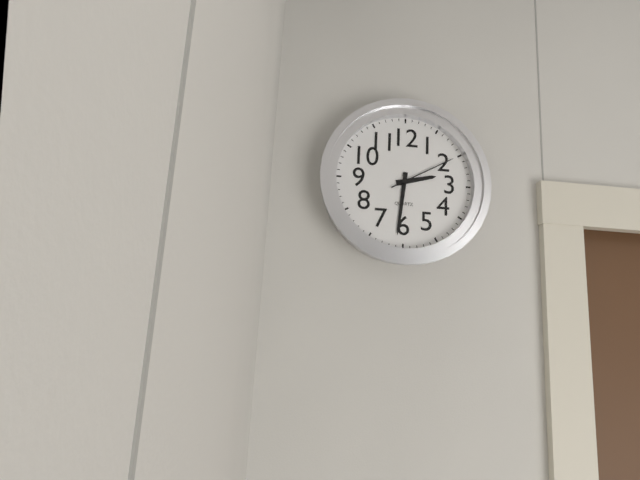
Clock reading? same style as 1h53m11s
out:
2h31m10s
